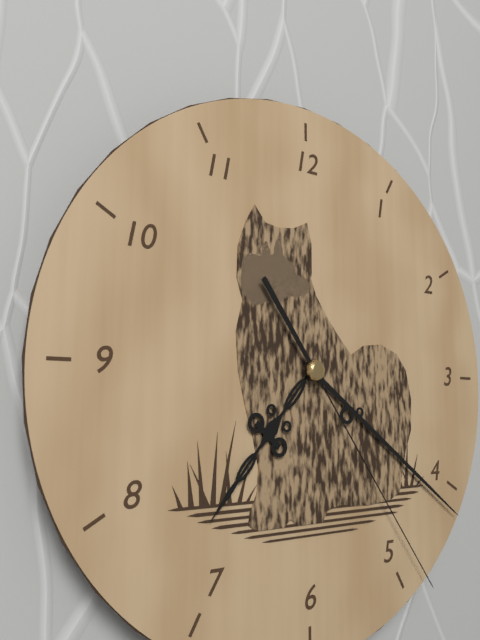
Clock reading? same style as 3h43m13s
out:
7h21m24s
